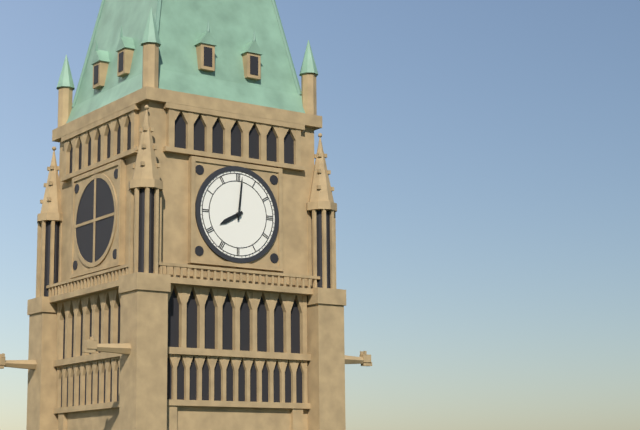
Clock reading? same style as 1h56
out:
8h01
